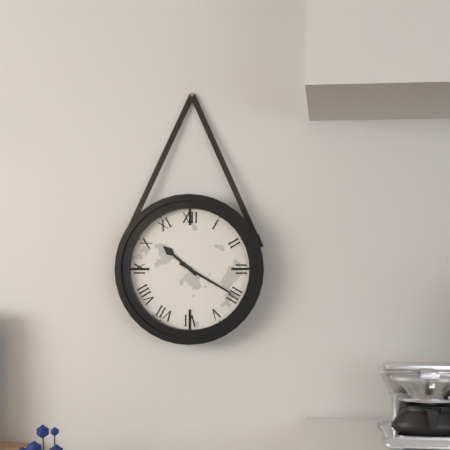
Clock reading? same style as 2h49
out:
10h20
